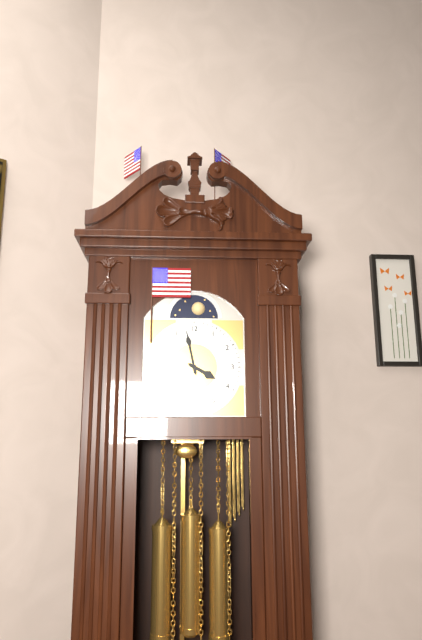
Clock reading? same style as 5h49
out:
3h58
